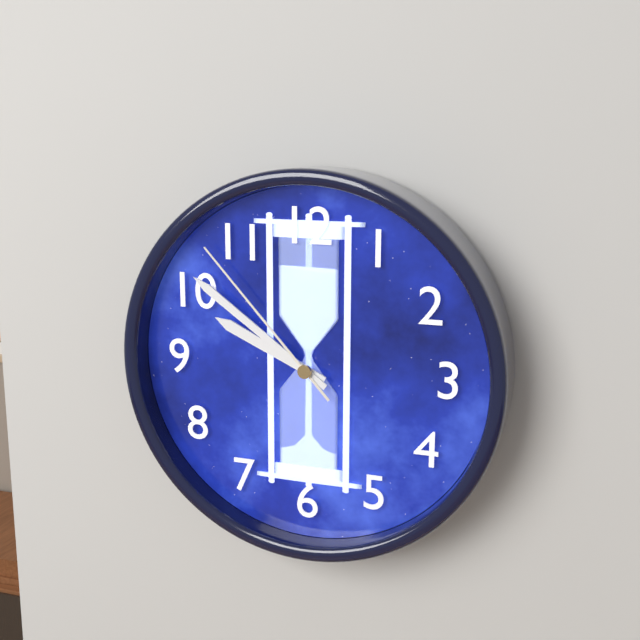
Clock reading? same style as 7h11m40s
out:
9h51m53s
